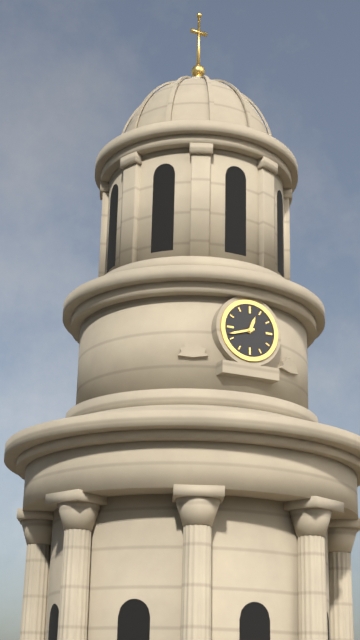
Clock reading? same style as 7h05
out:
12h42
